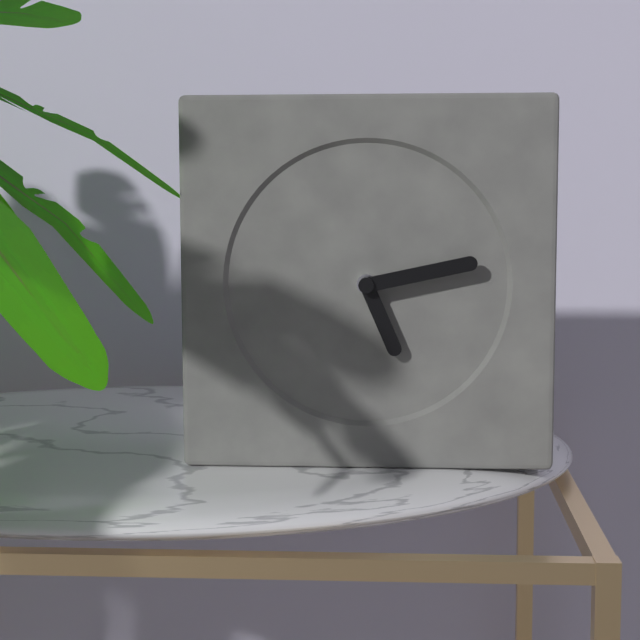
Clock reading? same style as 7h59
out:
5h13
